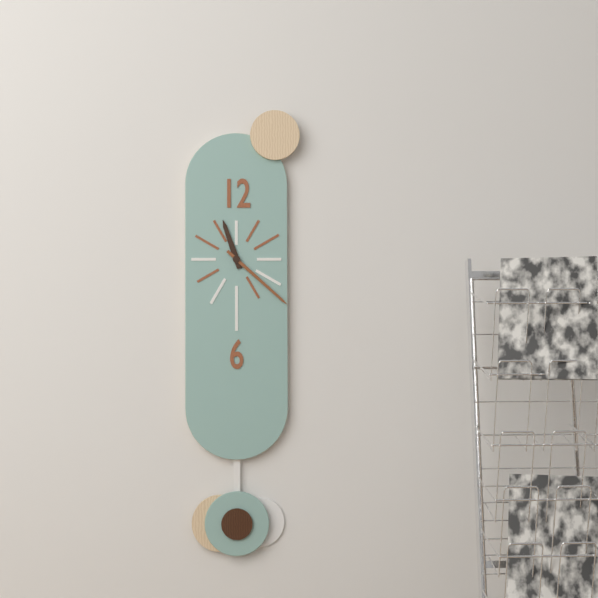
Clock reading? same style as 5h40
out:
11h22
